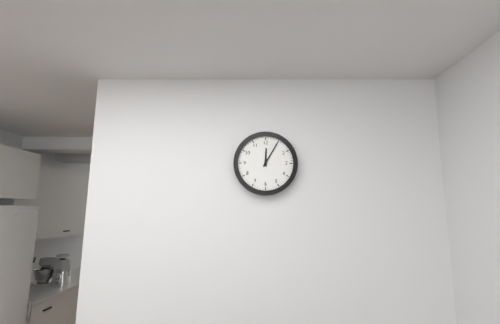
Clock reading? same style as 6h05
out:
12h05
